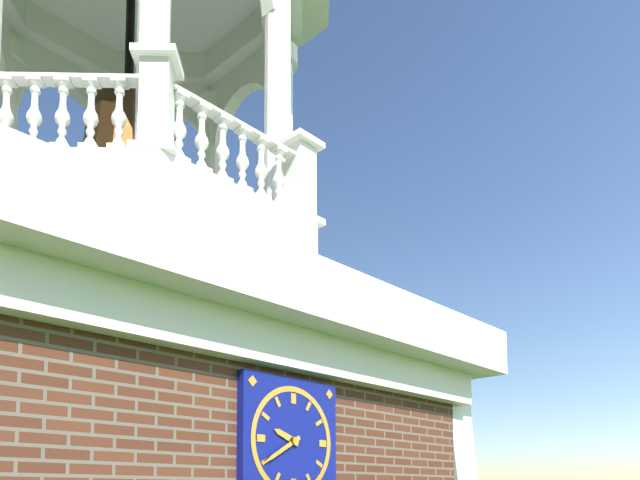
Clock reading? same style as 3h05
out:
9h40
